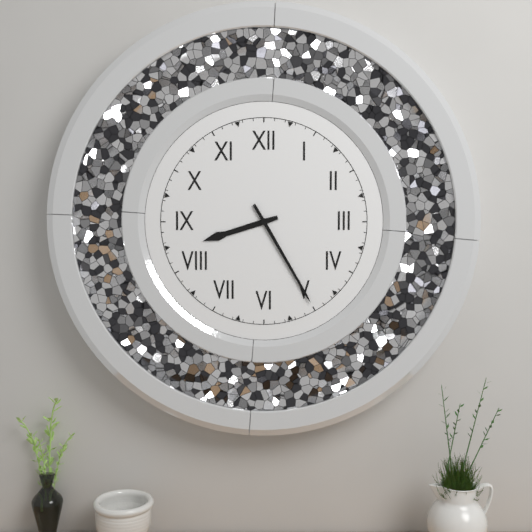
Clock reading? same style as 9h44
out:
8h25
